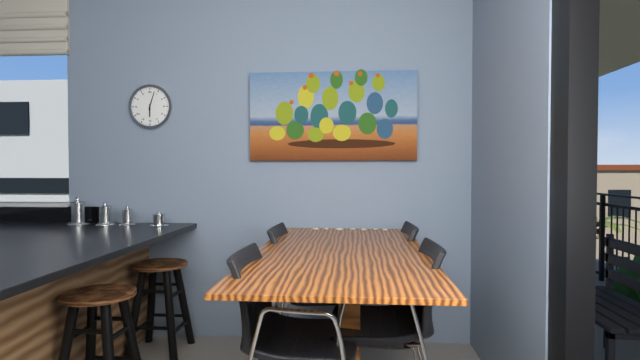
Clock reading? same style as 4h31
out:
6h03
